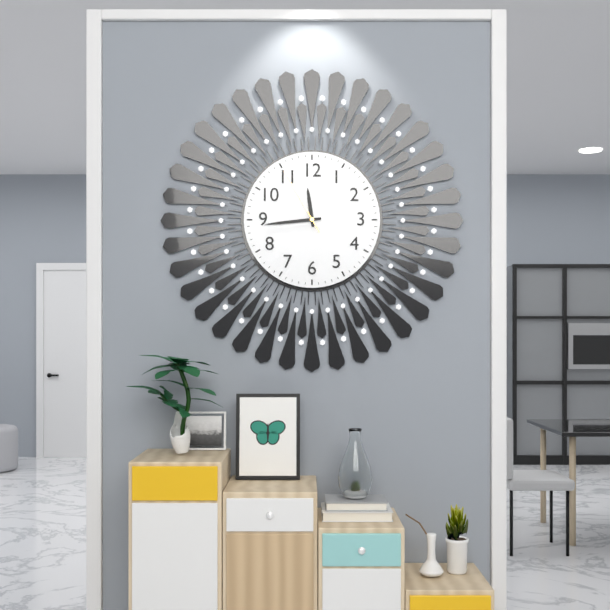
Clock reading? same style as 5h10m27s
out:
11h44m55s
